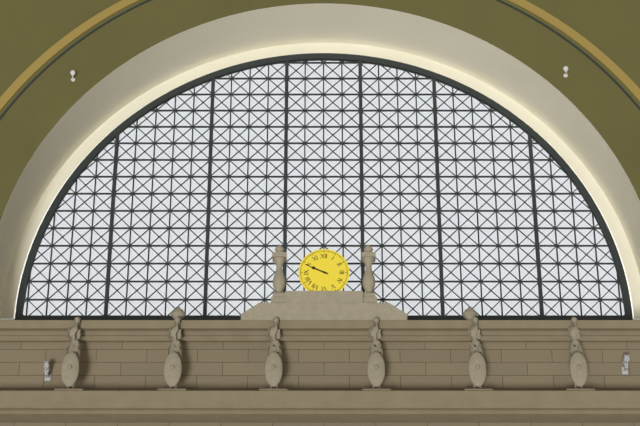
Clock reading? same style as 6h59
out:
9h49
